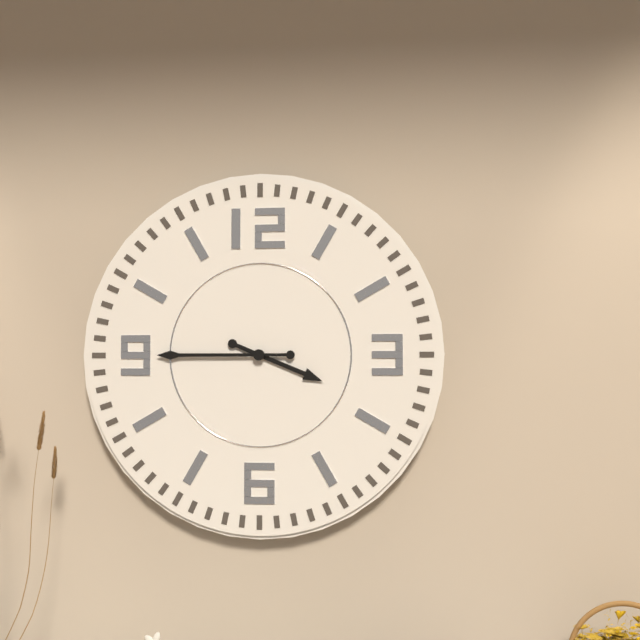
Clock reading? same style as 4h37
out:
3h45
